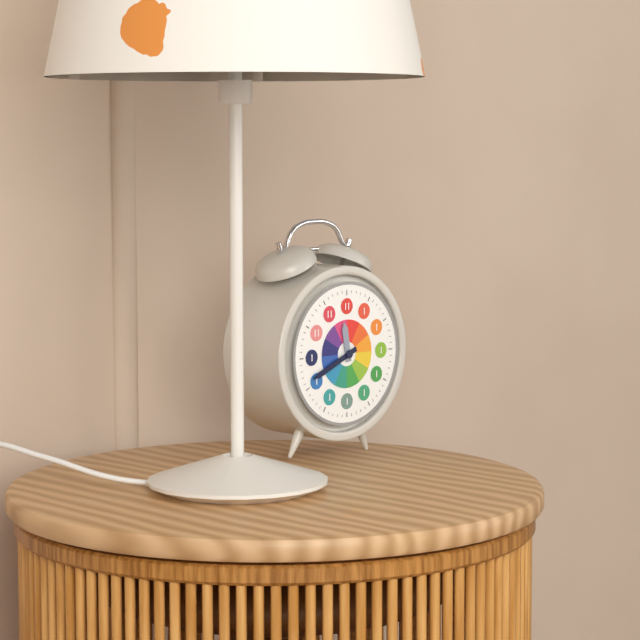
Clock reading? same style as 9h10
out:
11h41
